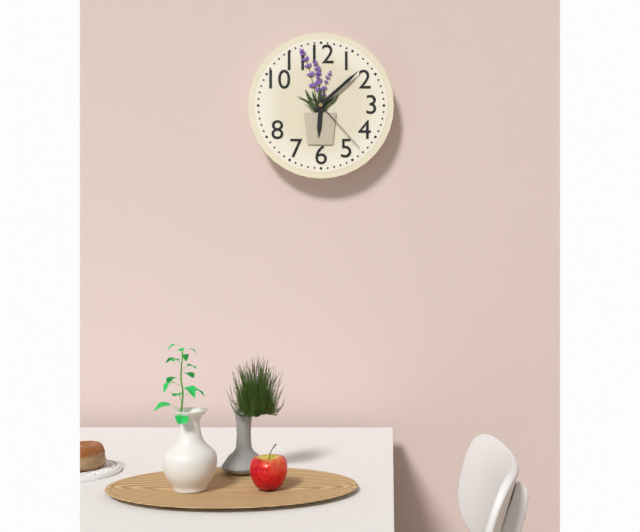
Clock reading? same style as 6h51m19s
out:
6h08m23s
